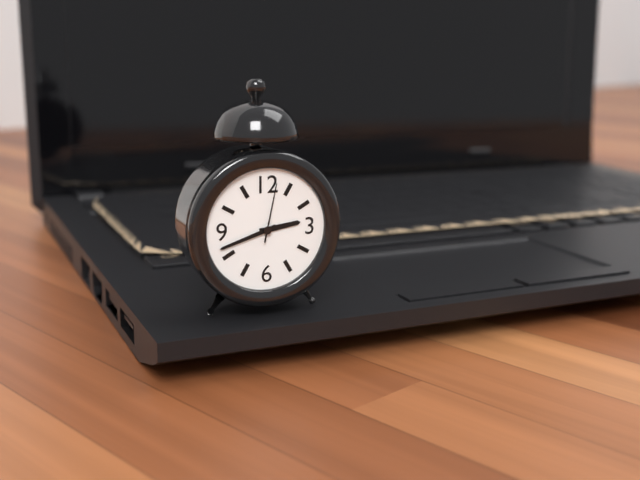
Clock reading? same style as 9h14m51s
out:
2h42m02s
